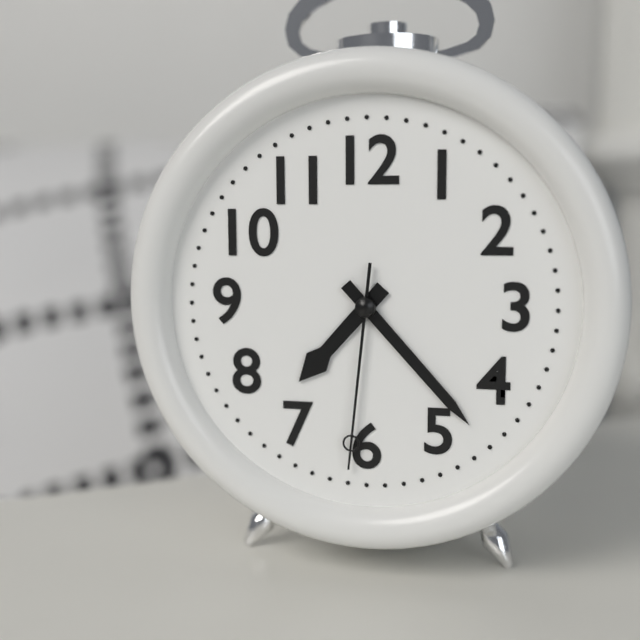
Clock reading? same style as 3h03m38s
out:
7h23m31s
